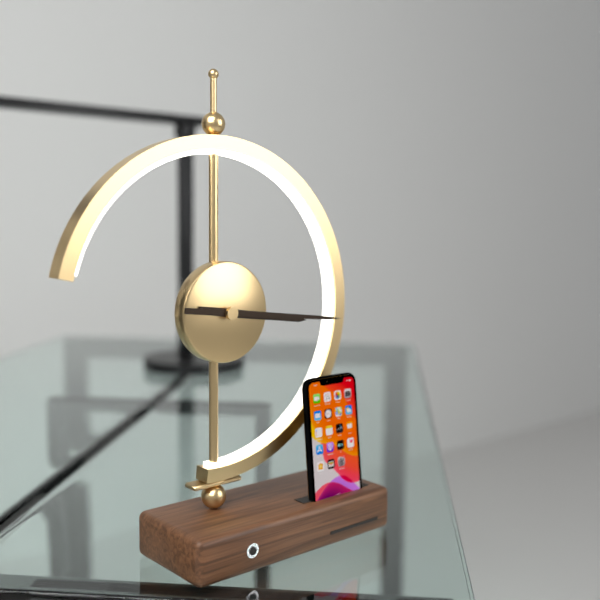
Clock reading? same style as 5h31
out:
3h16
